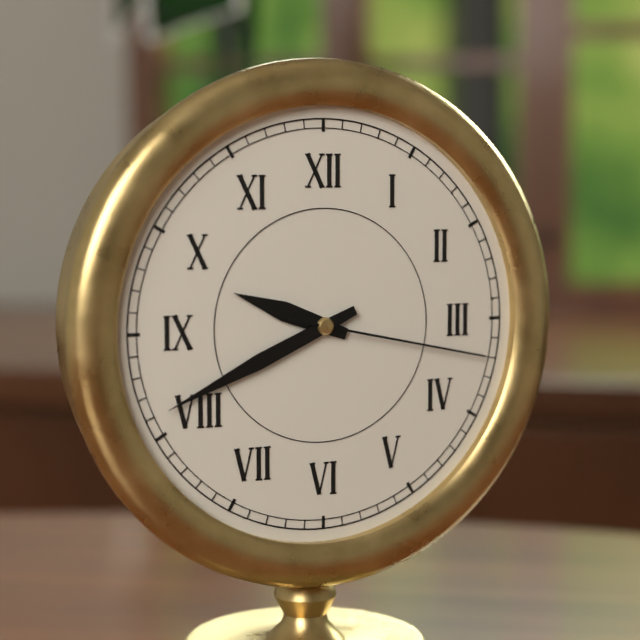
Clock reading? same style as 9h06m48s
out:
9h41m17s
